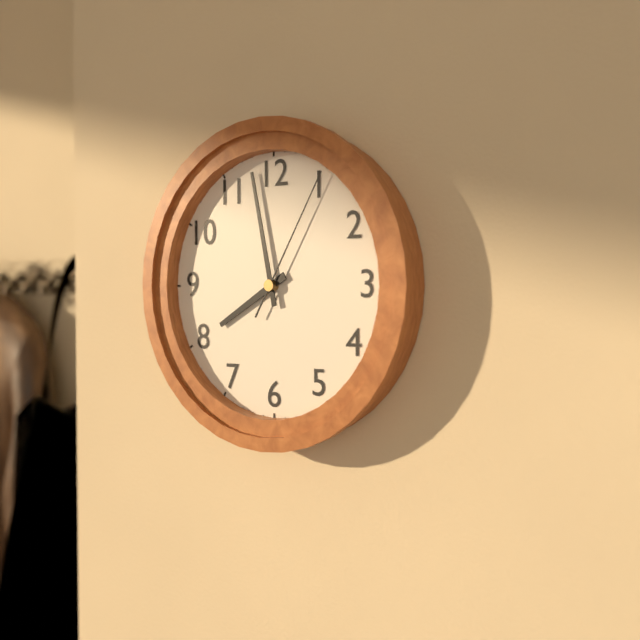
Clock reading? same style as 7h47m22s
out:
7h58m05s
